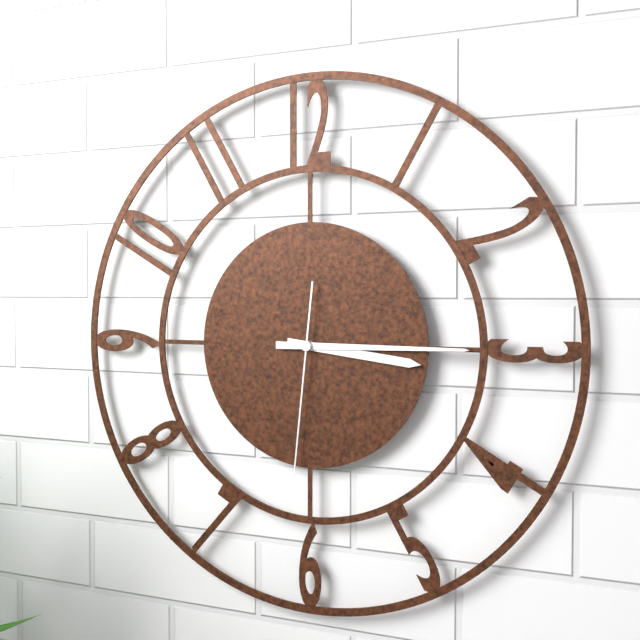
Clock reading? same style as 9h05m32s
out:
3h15m31s
